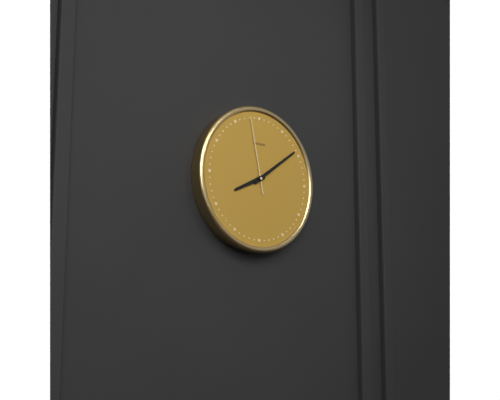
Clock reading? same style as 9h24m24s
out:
8h09m58s
